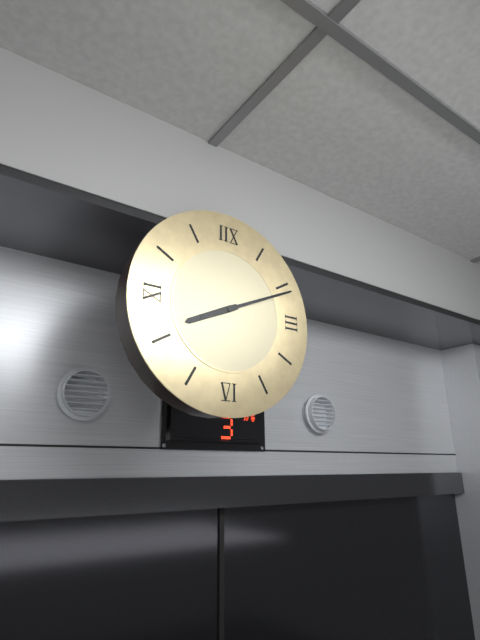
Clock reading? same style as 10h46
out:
8h11
